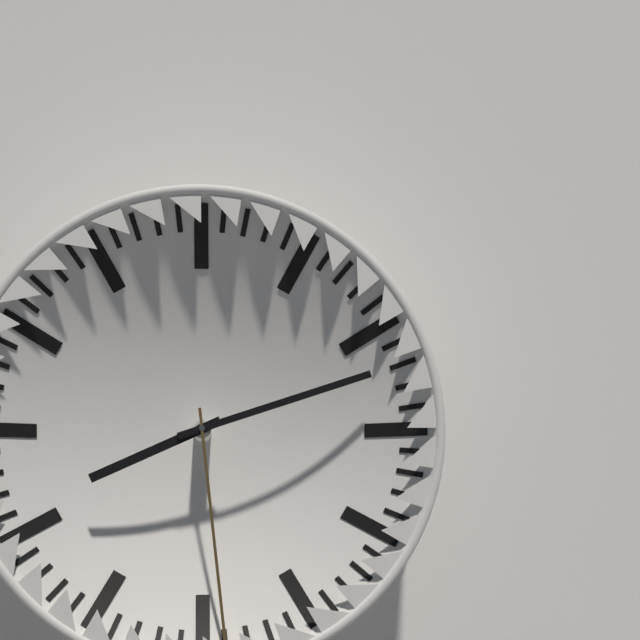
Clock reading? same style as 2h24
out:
8h12
